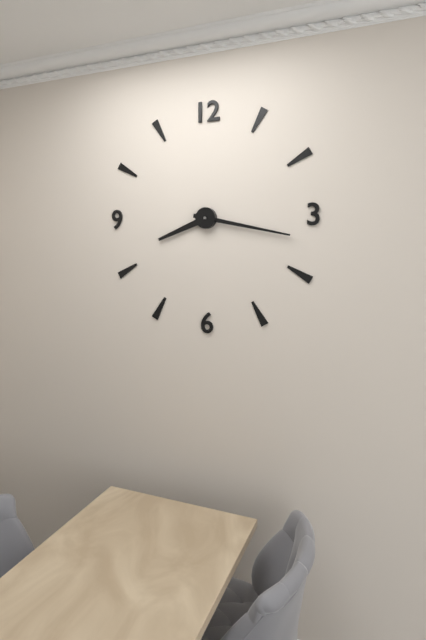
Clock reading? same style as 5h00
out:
8h17
